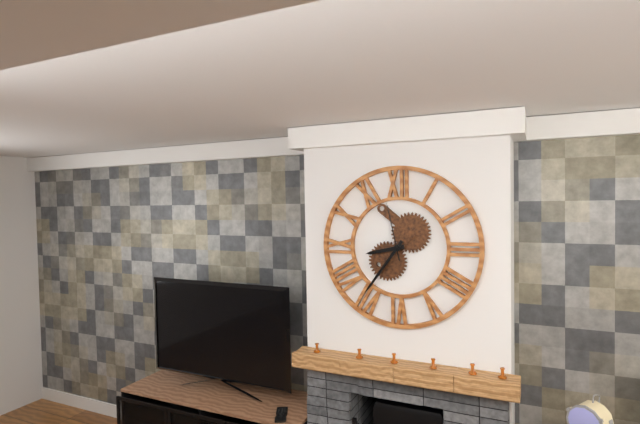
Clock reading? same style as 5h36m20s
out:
8h36m58s
